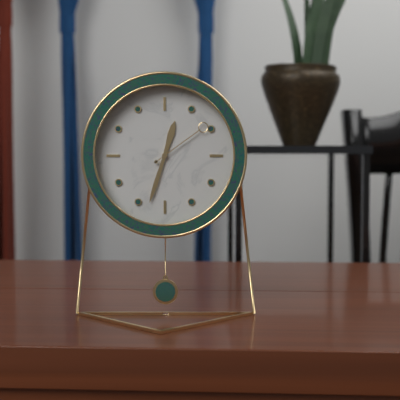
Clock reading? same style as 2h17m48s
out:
12h33m09s
